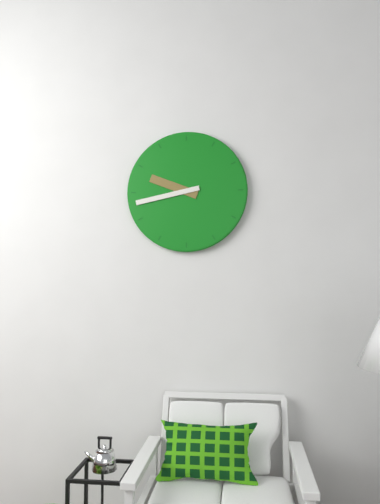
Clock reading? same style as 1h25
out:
9h43
